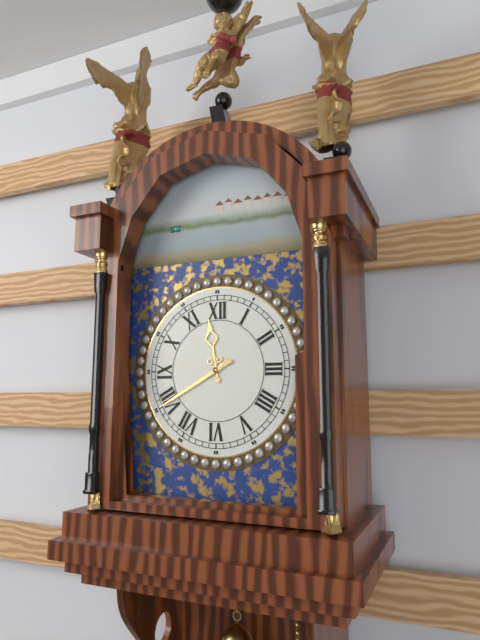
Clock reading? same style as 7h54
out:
11h40
